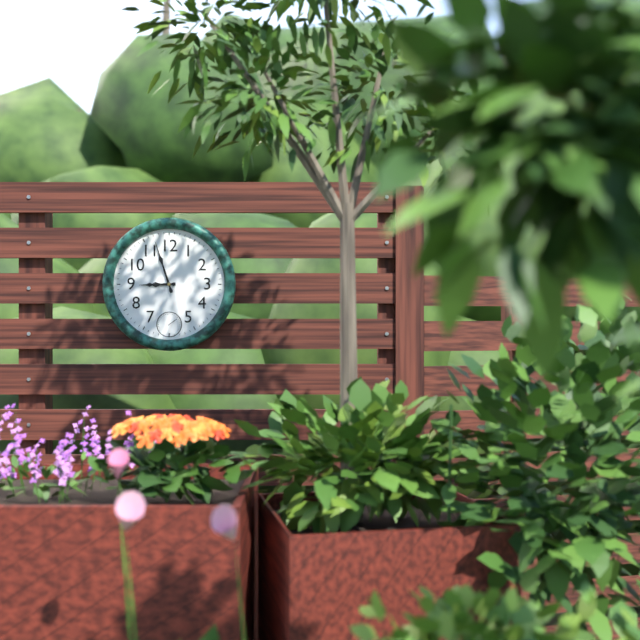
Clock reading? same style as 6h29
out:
8h57
